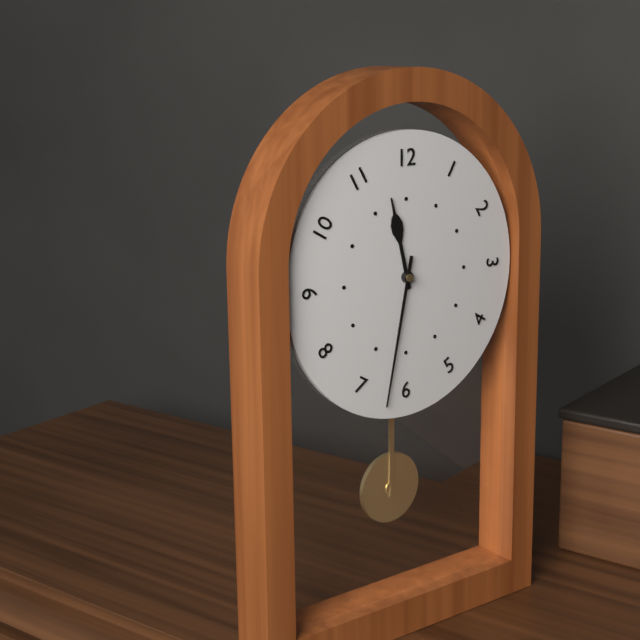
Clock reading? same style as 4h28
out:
11h32
